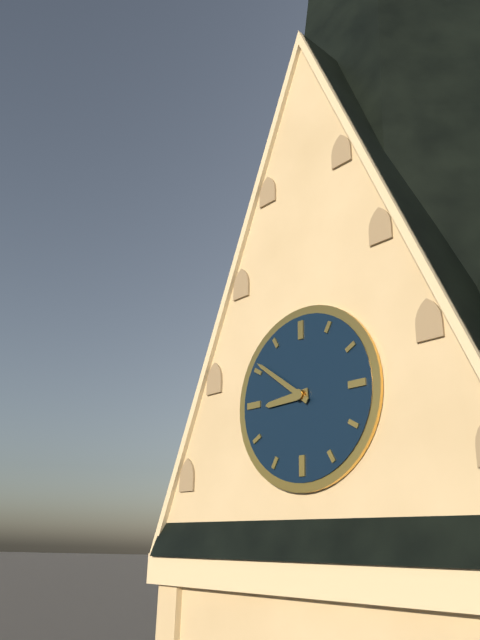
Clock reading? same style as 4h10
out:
8h51
